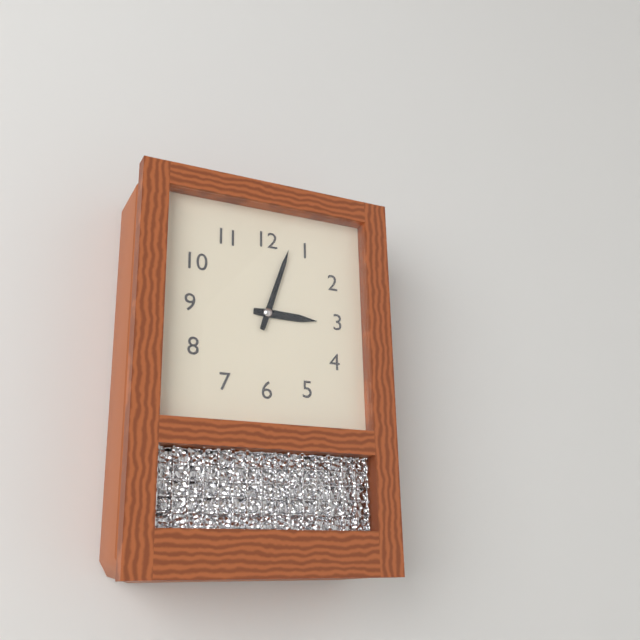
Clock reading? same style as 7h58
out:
3h03
